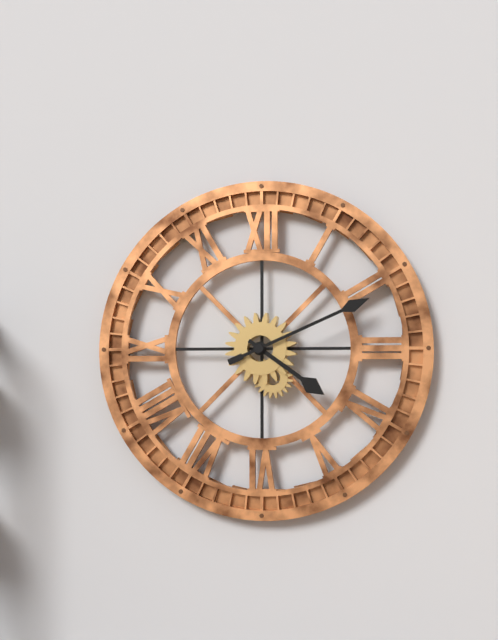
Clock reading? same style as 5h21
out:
4h11
